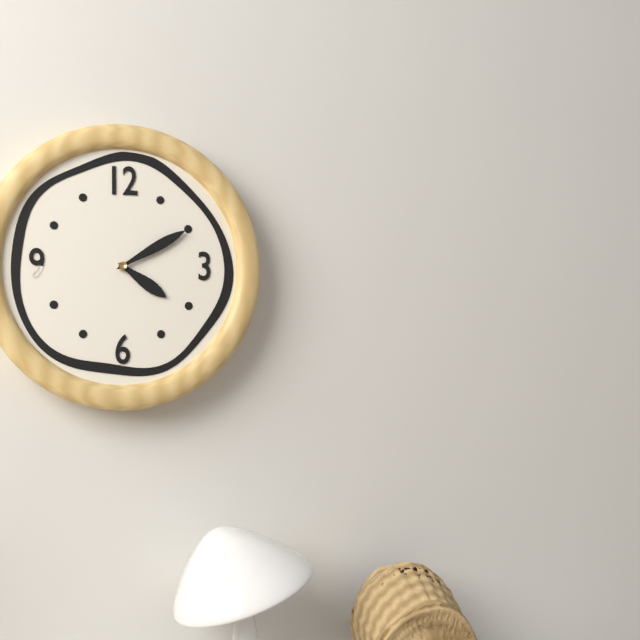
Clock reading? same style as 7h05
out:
4h10
